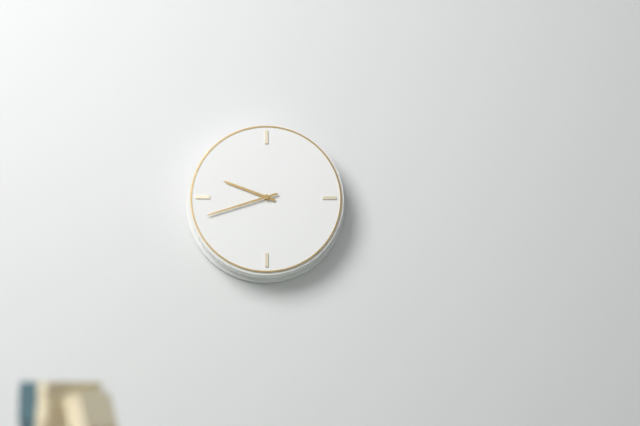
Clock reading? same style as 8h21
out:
9h42
